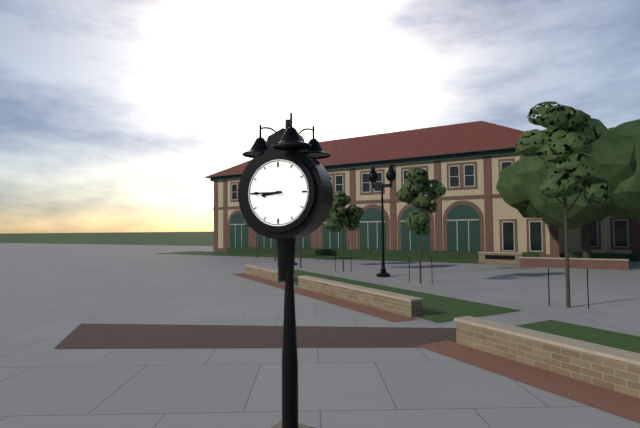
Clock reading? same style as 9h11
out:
8h45
